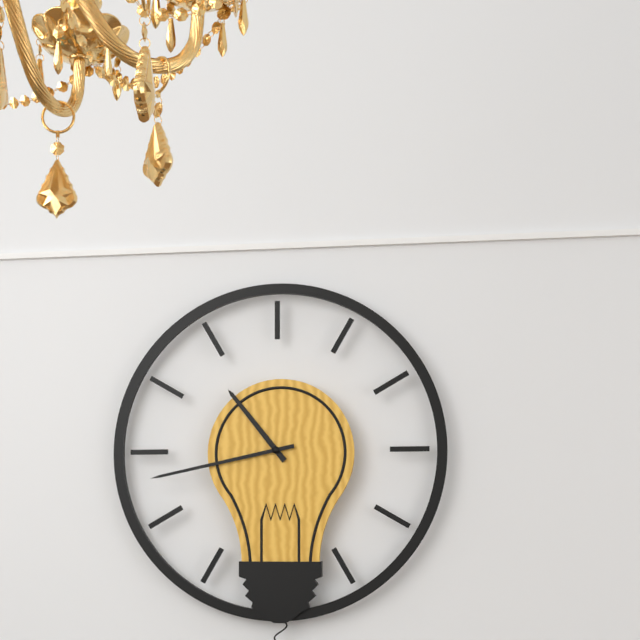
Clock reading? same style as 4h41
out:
10h43
